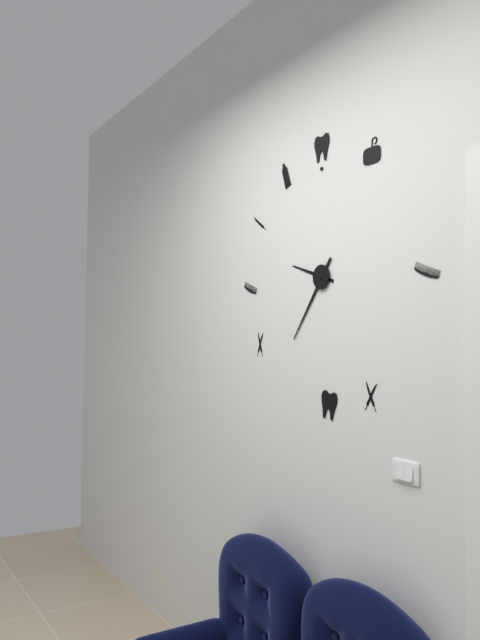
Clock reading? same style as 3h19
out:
9h36
